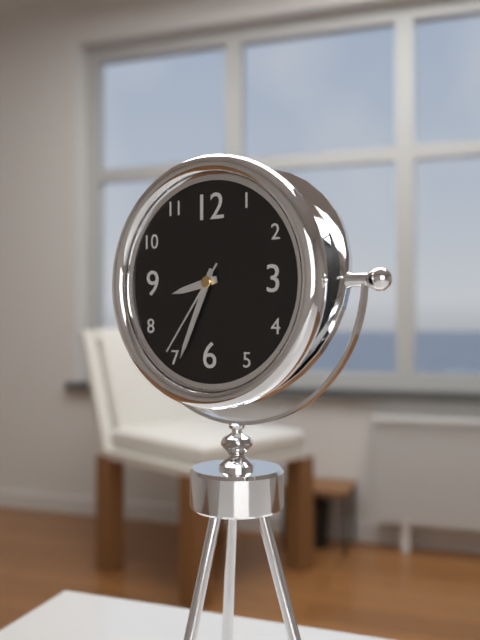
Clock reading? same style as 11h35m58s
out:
8h34m36s
